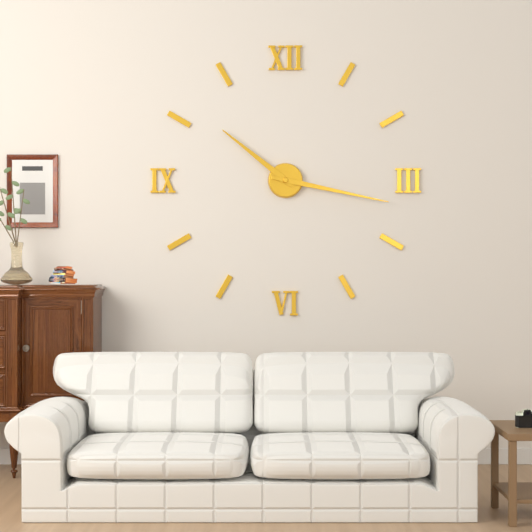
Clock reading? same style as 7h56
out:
10h17
